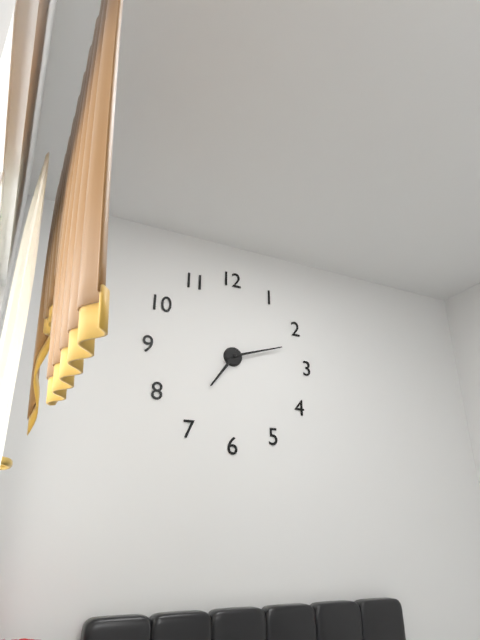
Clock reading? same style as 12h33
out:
7h12
